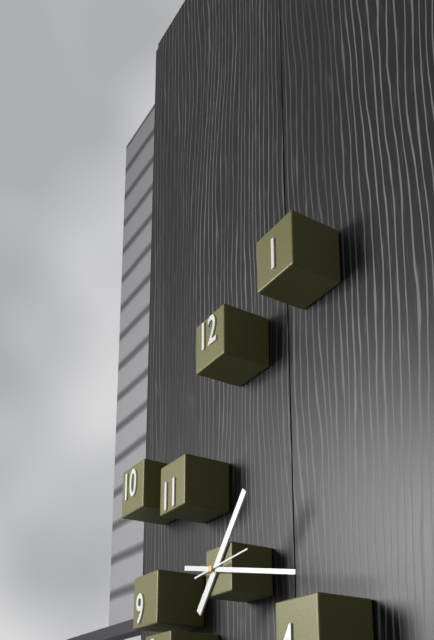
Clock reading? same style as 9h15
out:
1h17
